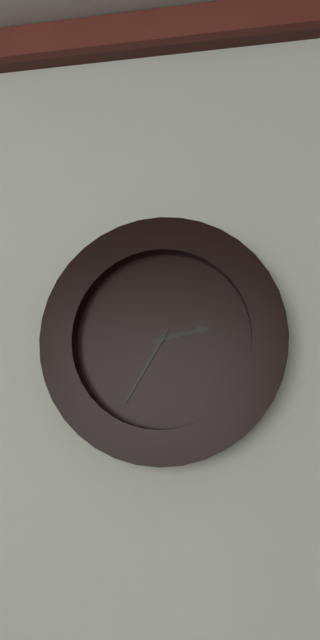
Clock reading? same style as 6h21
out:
2h35
